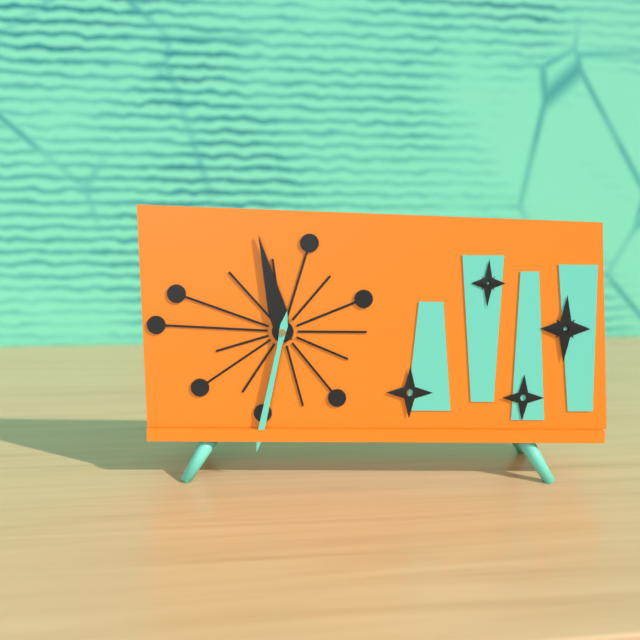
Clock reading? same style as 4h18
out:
11h32
